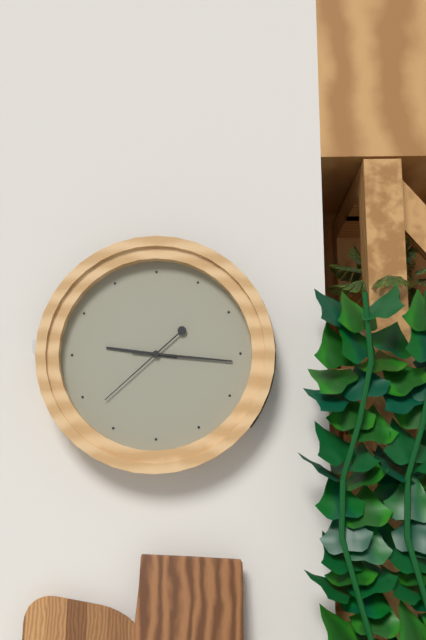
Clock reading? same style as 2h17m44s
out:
9h16m38s
